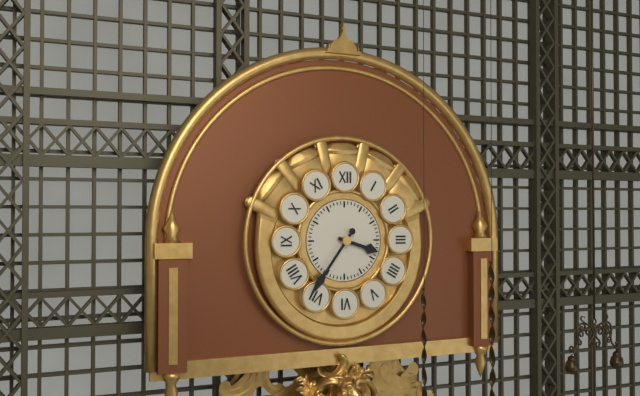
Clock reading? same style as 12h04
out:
3h36
